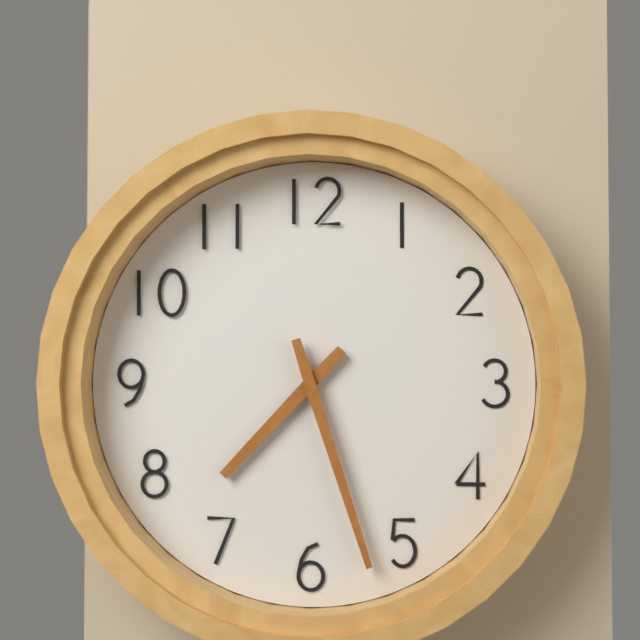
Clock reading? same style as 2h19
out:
7h27
